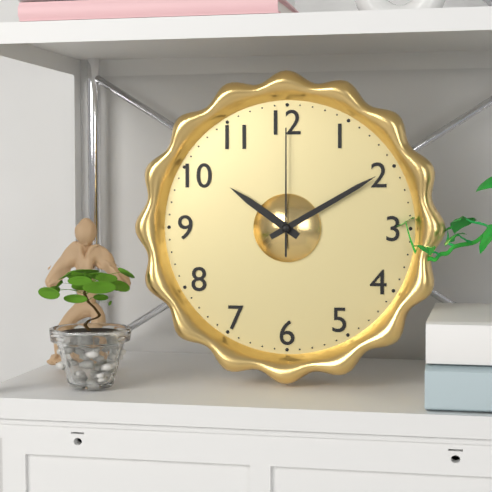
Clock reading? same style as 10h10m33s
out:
10h10m00s
